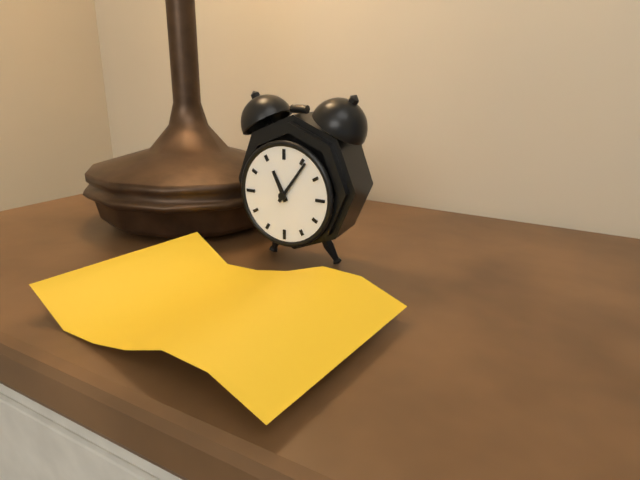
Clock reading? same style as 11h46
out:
11h06
